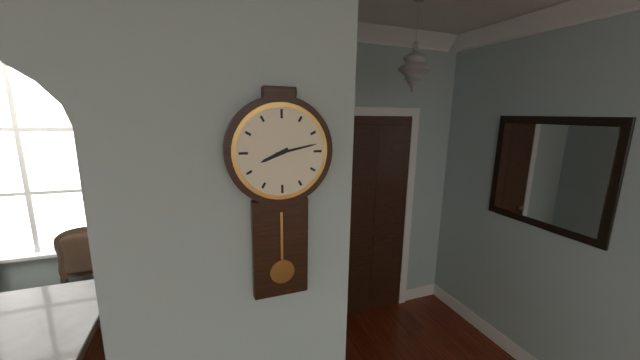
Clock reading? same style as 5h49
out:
8h13
